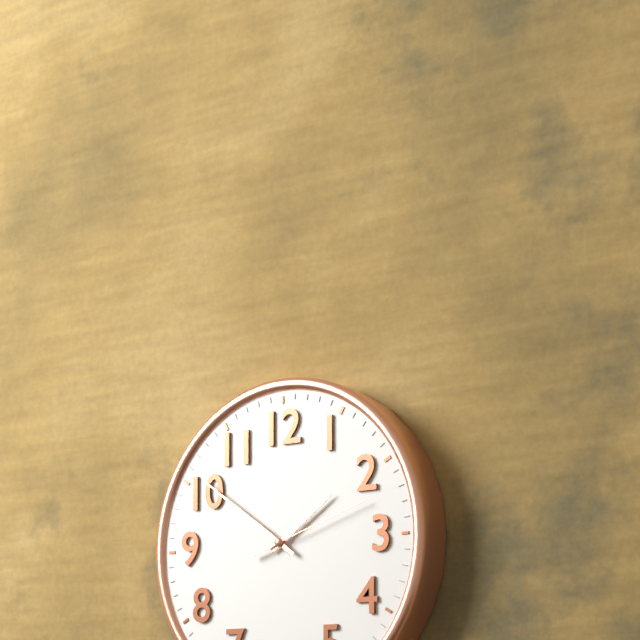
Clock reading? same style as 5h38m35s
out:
1h51m12s
